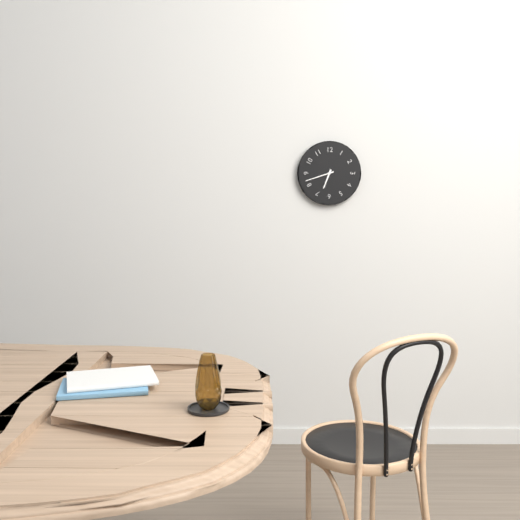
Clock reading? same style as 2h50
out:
6h42
